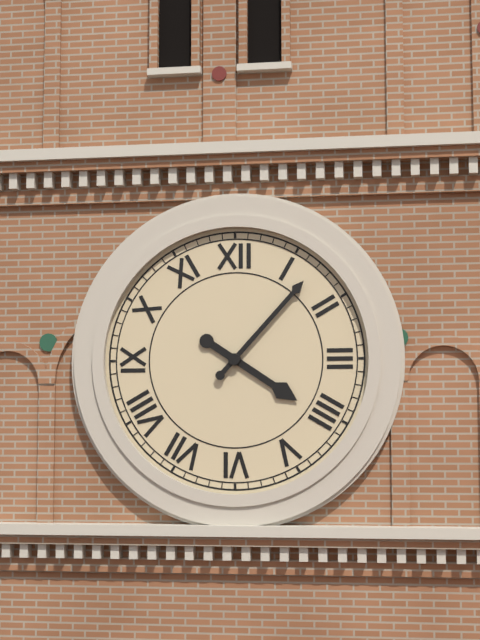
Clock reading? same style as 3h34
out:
4h07
